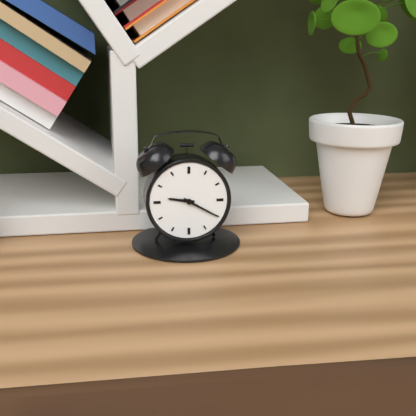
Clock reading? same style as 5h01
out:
9h20
